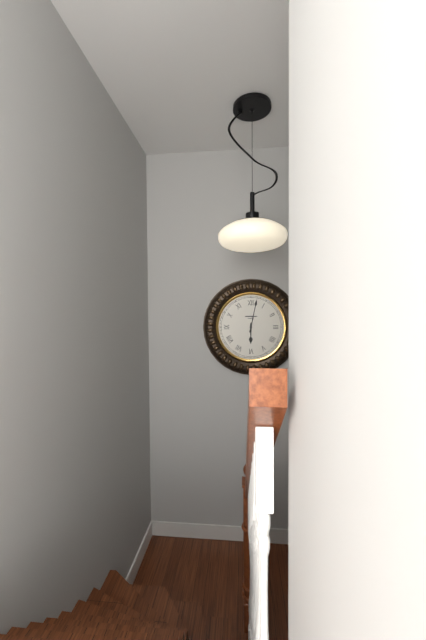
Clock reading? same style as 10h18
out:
6h02
